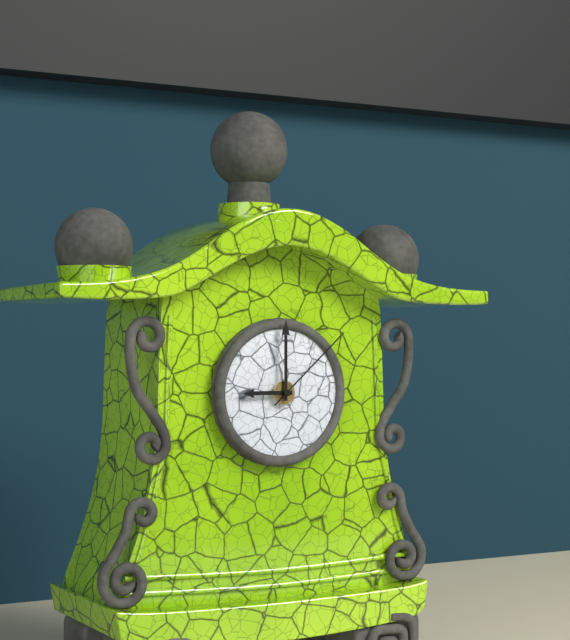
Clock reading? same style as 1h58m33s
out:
9h00m08s
